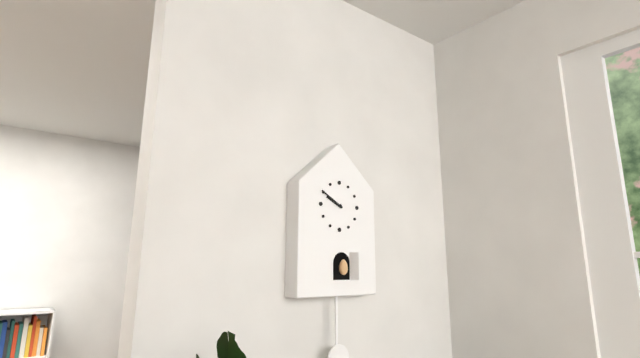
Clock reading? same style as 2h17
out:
9h50
